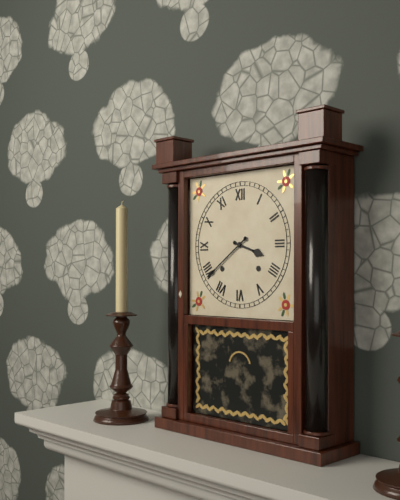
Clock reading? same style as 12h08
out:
3h39
